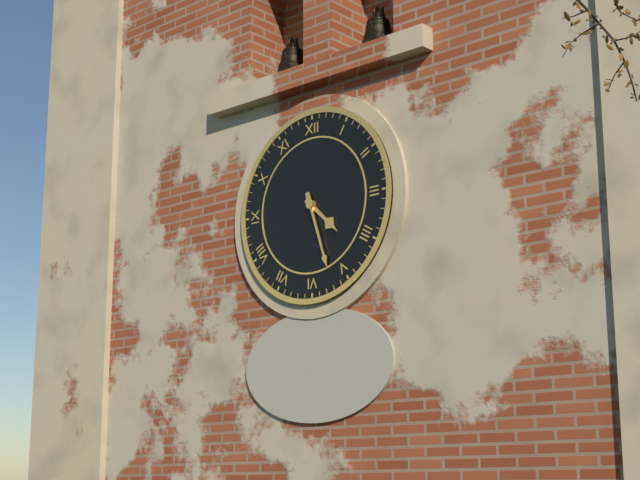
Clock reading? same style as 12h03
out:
4h27
